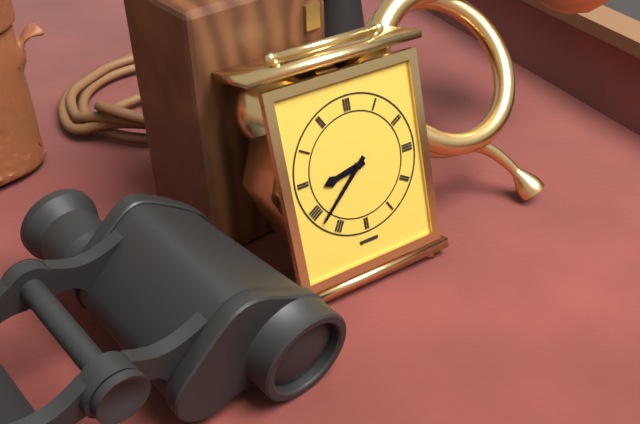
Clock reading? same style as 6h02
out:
8h38
